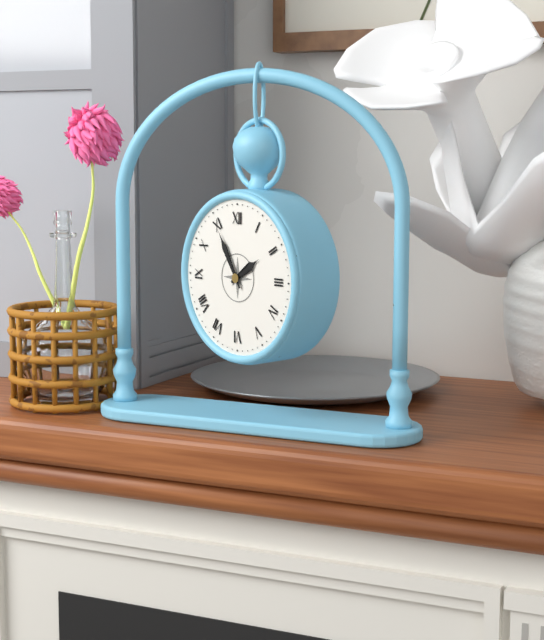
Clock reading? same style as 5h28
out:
1h55
